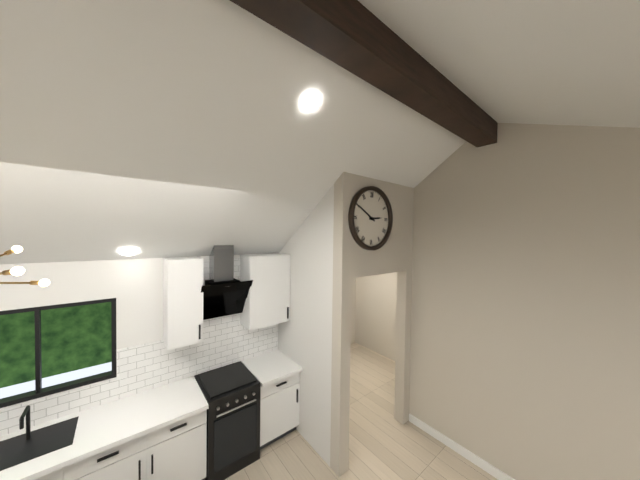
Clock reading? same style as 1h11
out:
2h50
